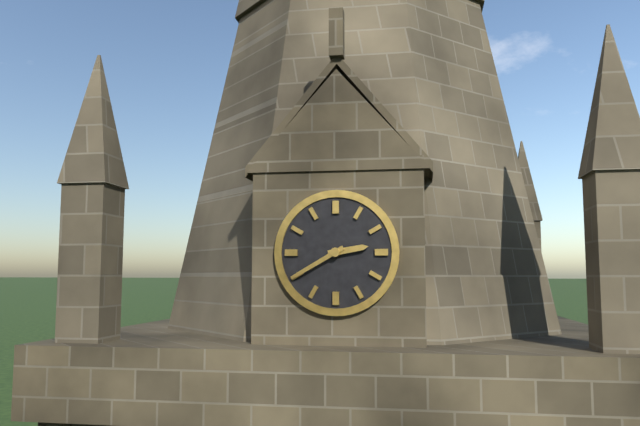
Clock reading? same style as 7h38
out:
2h40
